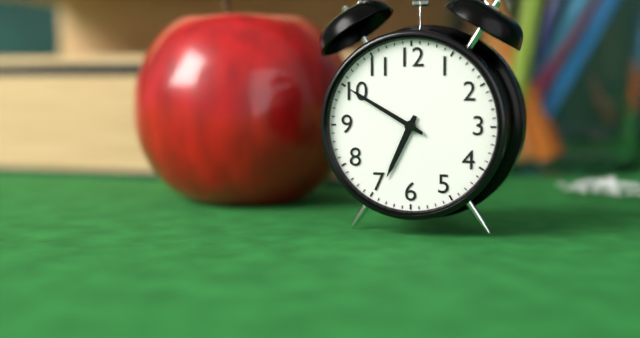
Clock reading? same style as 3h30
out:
6h50
